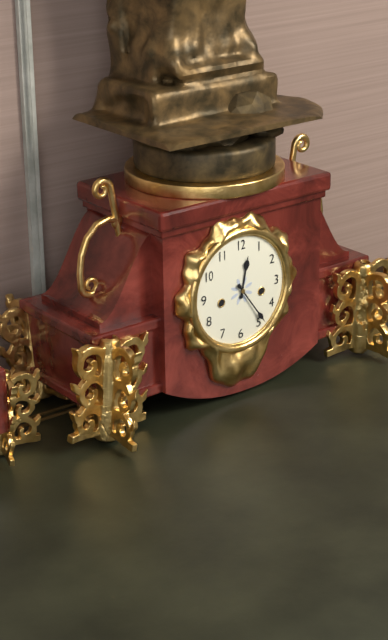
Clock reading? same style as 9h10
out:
12h24
